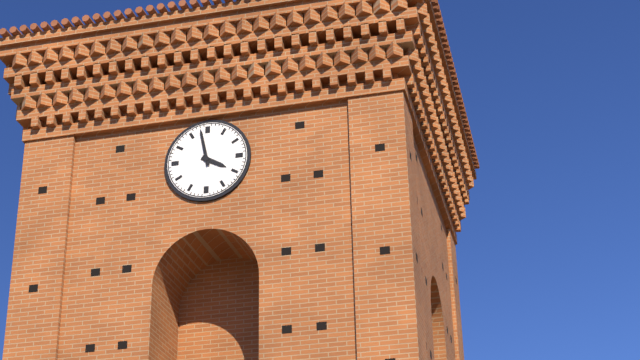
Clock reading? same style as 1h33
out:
3h58
